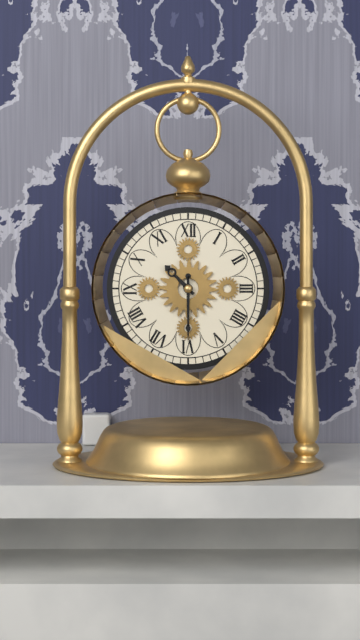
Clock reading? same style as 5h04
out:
10h30
